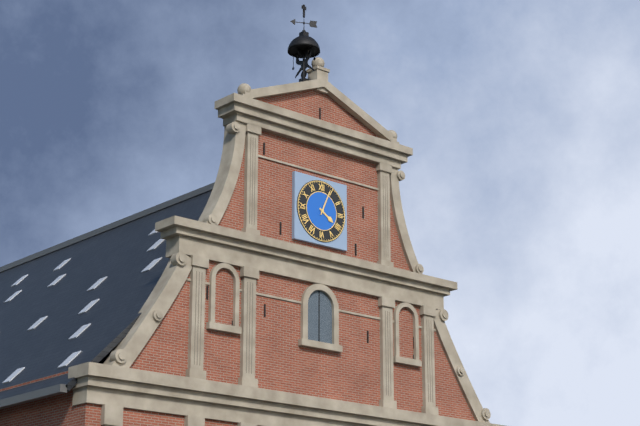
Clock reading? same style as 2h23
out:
4h04
